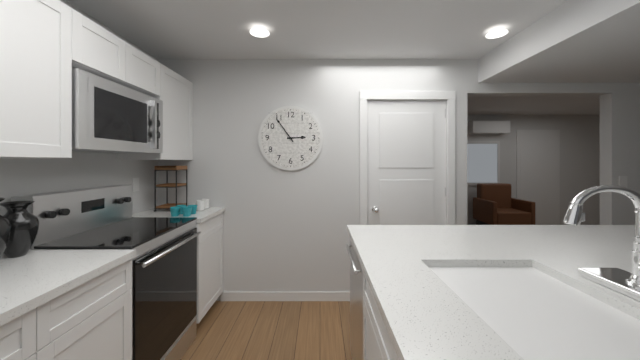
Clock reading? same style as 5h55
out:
2h54
